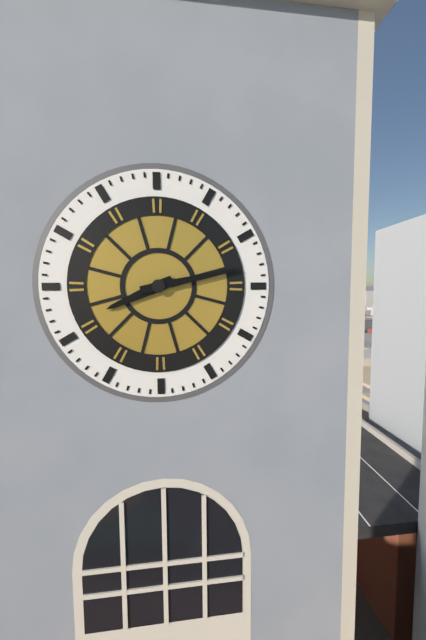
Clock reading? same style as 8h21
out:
8h13
